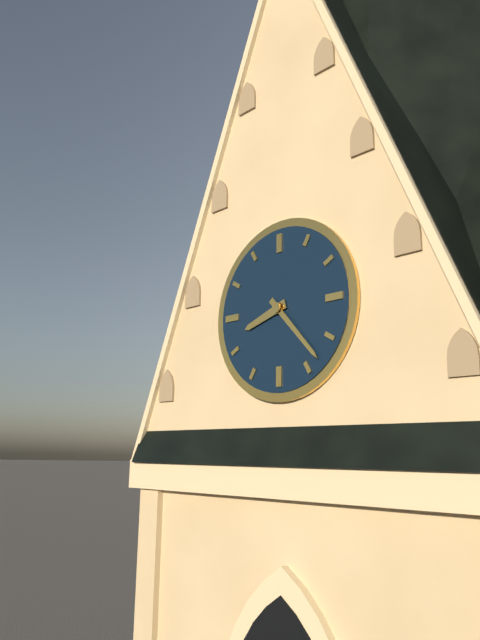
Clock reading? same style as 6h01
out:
8h23
